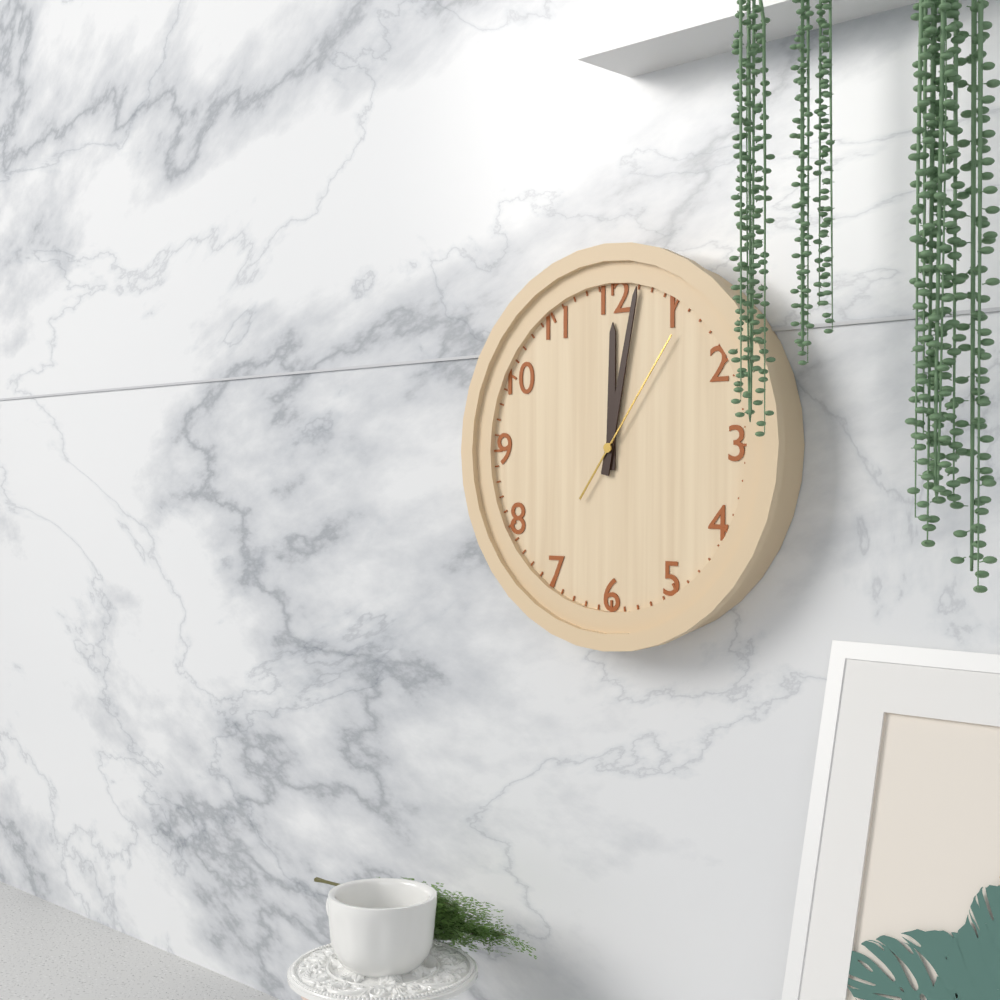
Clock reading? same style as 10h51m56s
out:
12h02m06s
